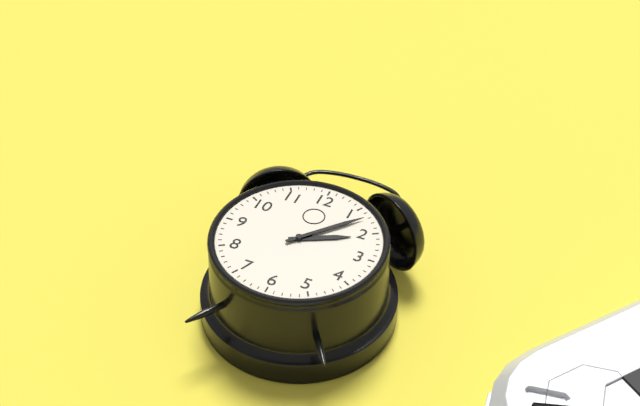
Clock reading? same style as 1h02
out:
2h07
